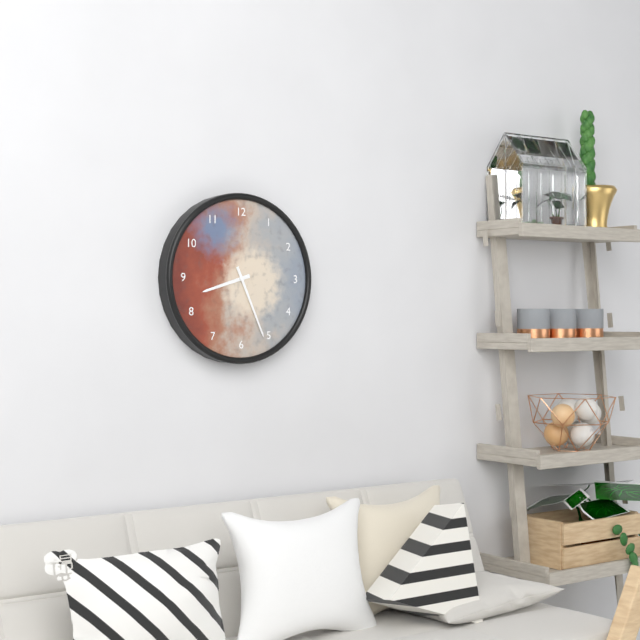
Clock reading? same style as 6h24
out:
8h26
